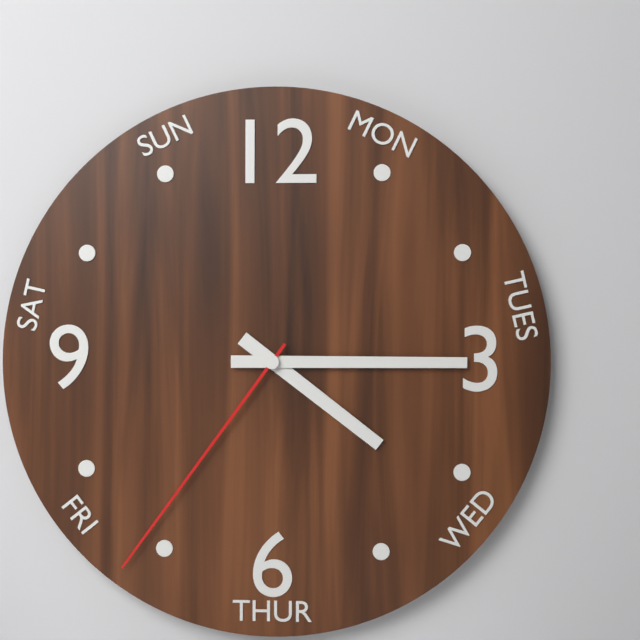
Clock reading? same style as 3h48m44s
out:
4h15m36s
